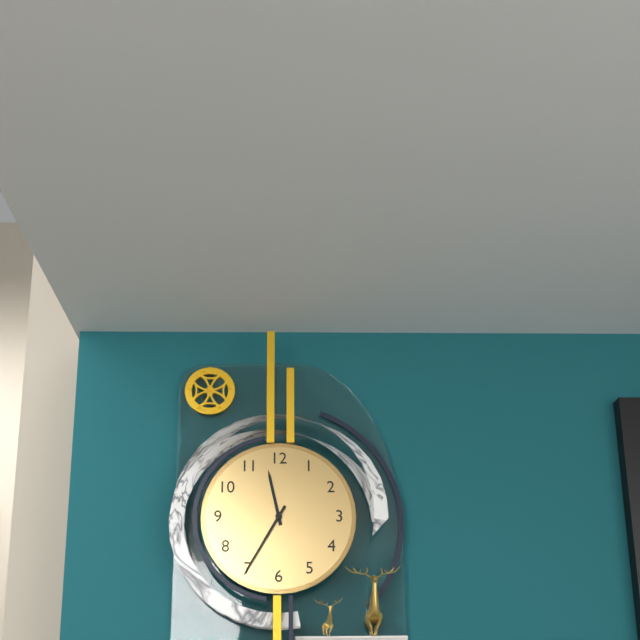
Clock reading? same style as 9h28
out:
11h35
